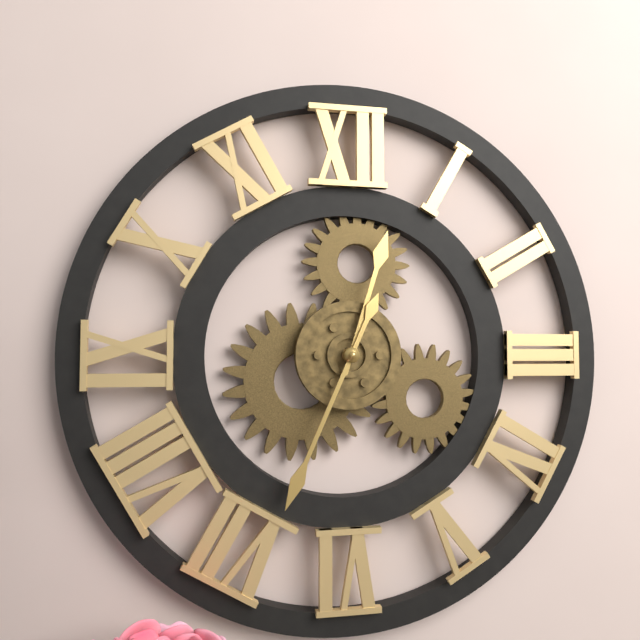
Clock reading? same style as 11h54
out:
12h34
